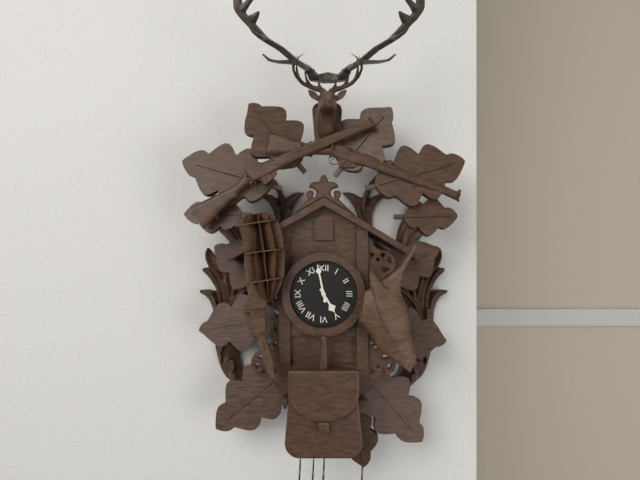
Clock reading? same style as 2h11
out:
4h58
